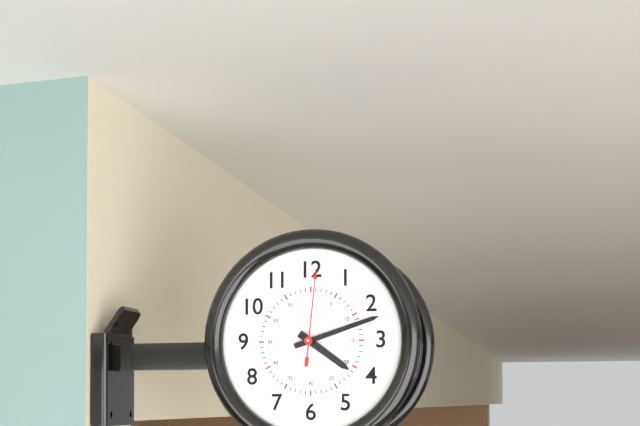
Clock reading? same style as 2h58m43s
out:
4h12m01s
